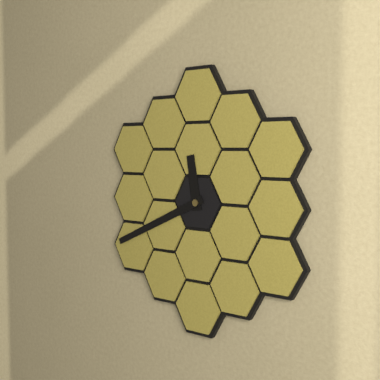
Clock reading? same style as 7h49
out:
11h41
